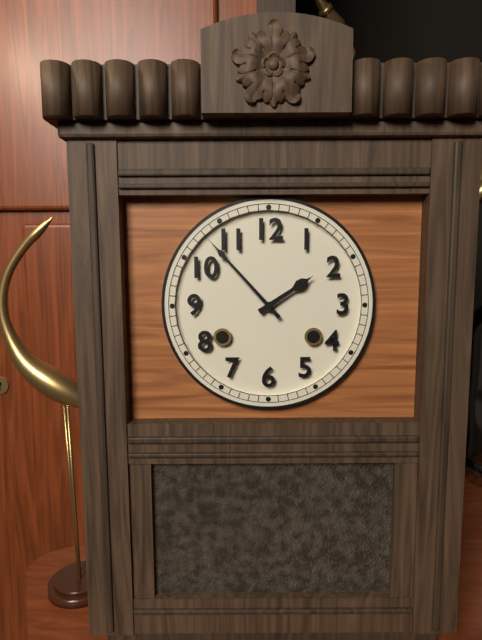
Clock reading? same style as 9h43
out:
1h53
